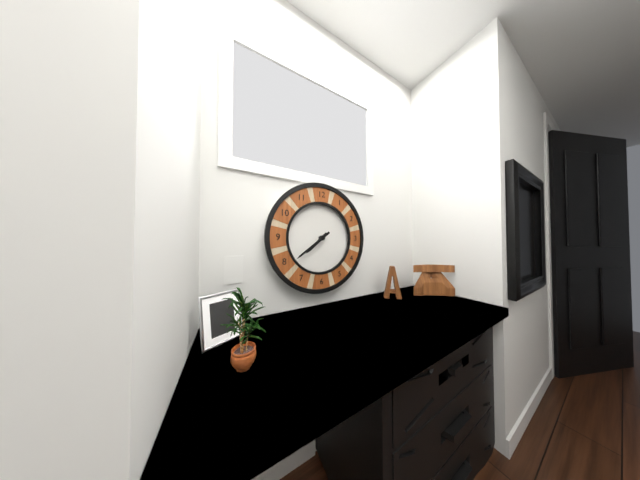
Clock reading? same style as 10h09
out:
7h39
